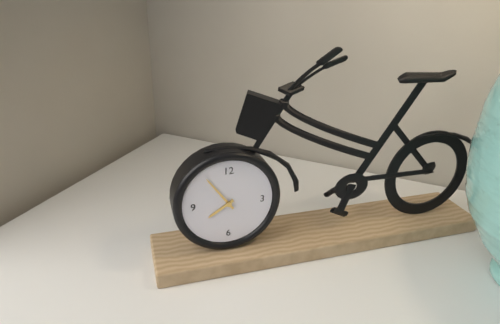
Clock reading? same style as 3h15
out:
7h54
